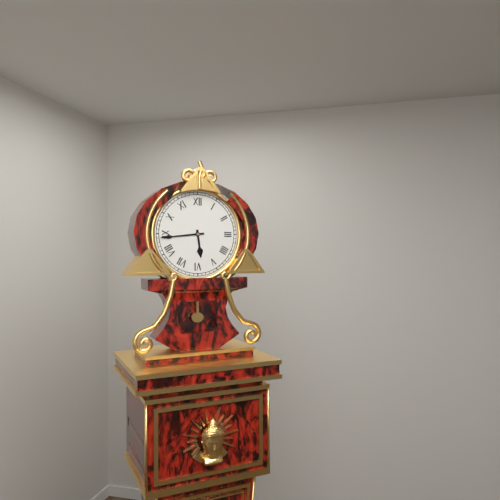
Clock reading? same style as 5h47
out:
5h44
